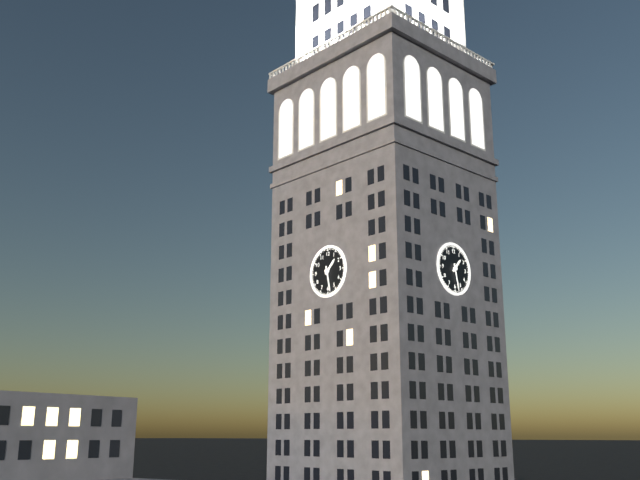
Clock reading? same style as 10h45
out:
1h28
